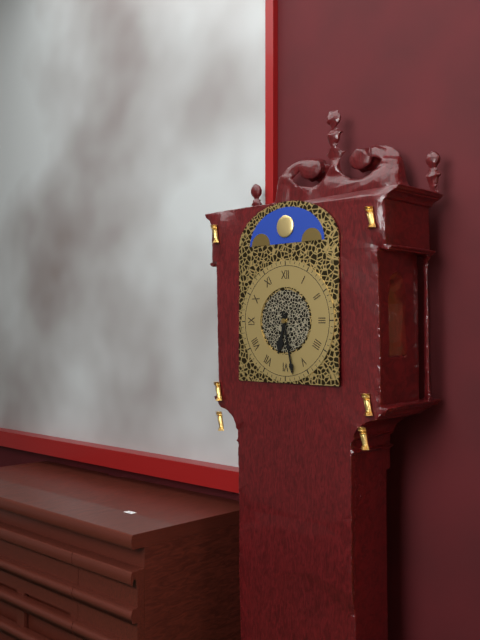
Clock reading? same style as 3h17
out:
6h28
